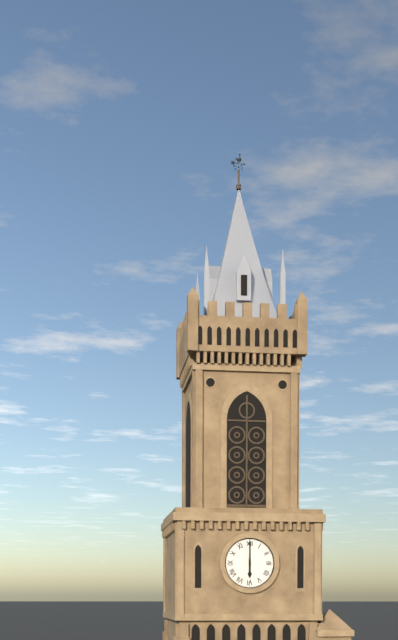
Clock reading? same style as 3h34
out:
6h00
